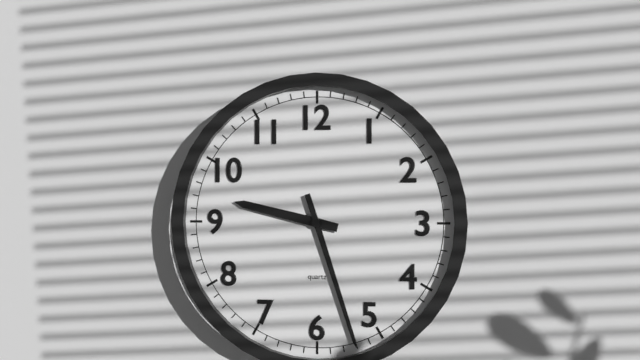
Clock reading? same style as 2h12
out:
9h27
